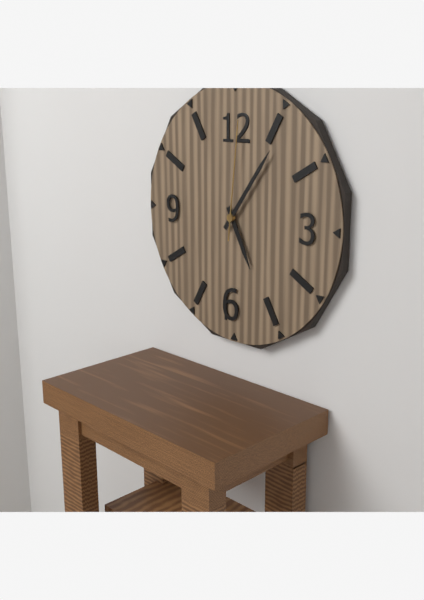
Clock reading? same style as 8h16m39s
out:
5h06m01s
